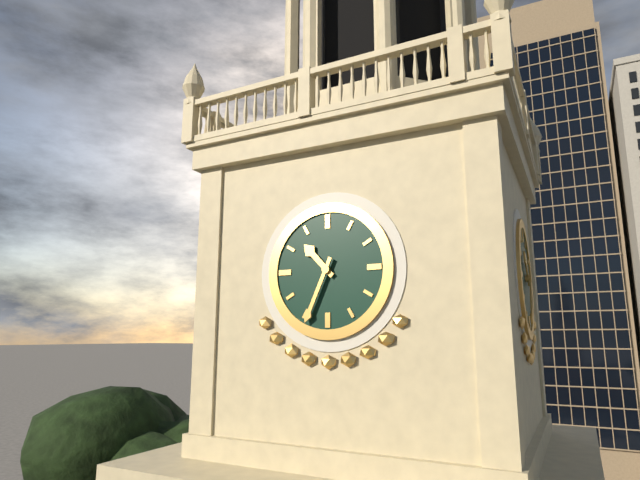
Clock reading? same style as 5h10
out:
10h34
